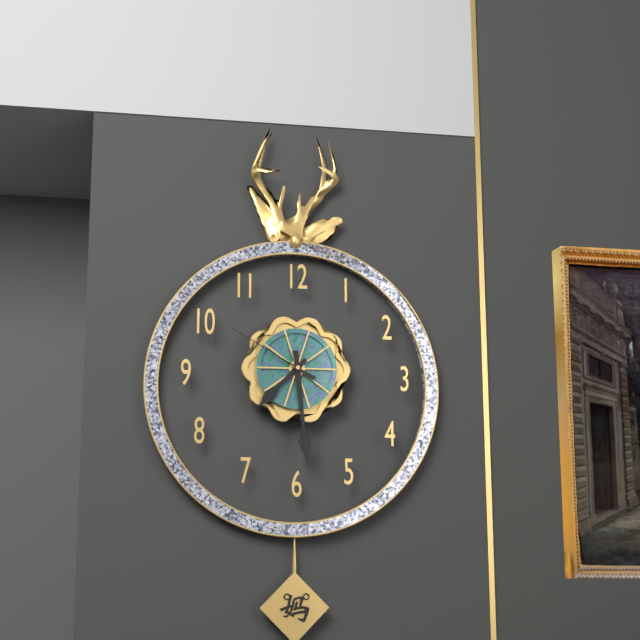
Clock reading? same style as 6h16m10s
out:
7h29m50s
